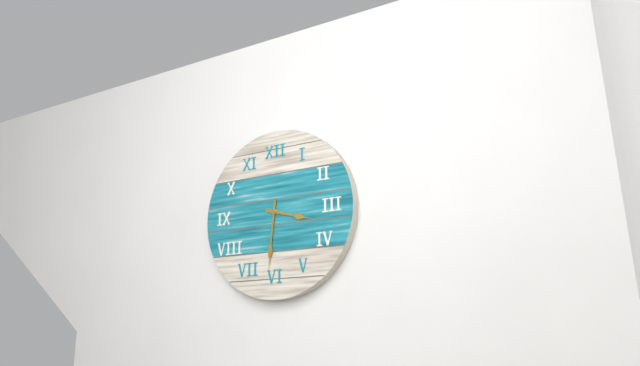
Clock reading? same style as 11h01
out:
3h31
